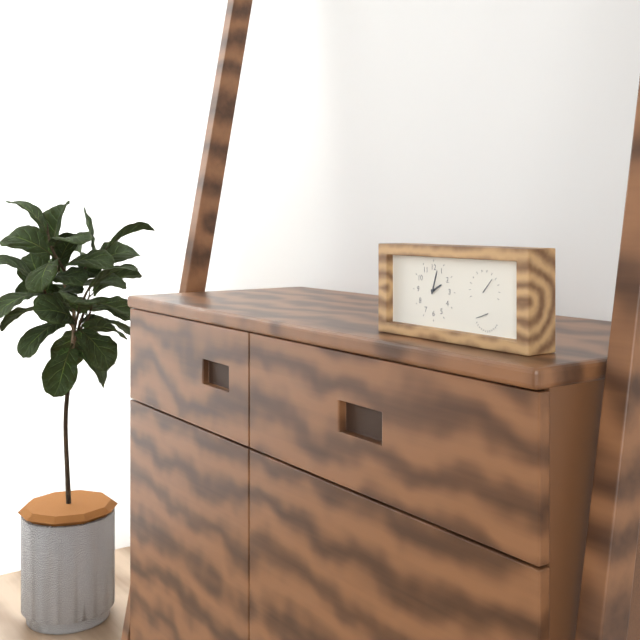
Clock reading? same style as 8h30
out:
2h03
